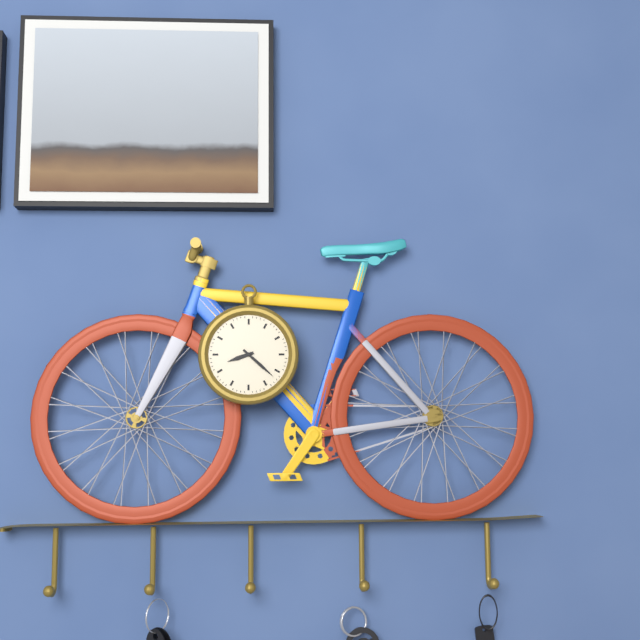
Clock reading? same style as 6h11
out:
8h22
